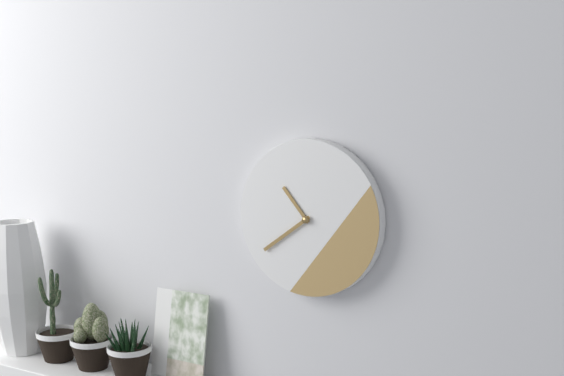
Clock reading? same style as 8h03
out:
10h39
